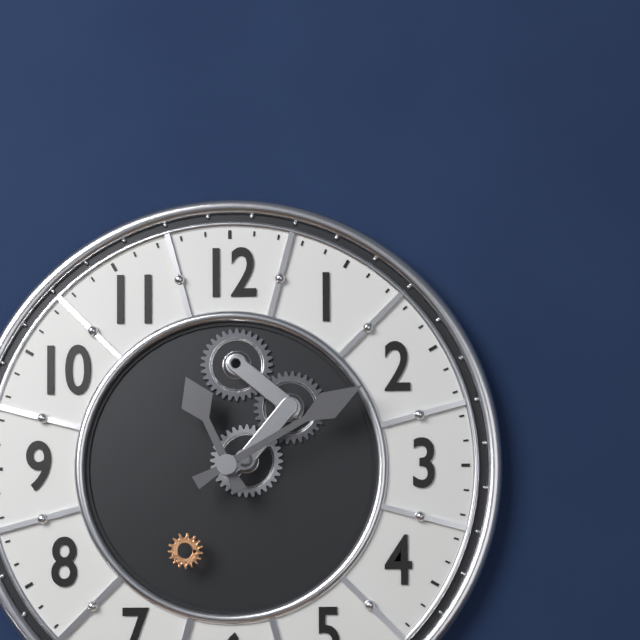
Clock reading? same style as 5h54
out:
11h10
